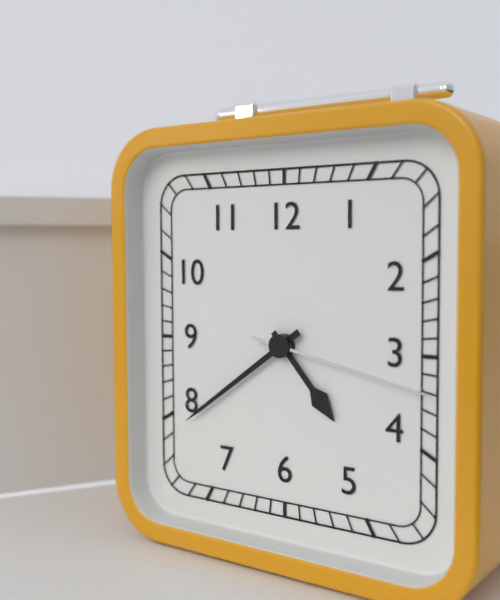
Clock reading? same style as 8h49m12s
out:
4h39m17s
